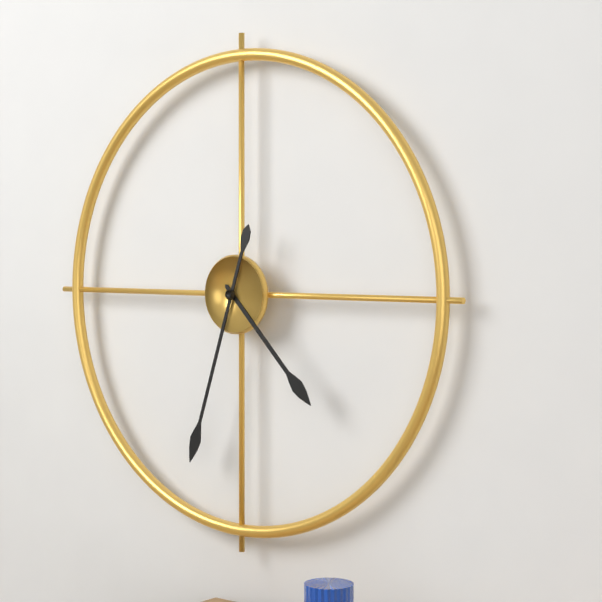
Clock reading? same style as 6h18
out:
4h33
